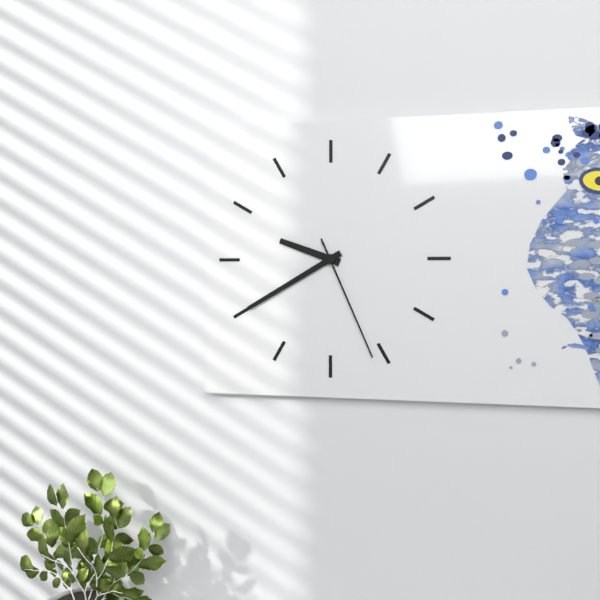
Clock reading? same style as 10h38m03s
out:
9h40m26s
